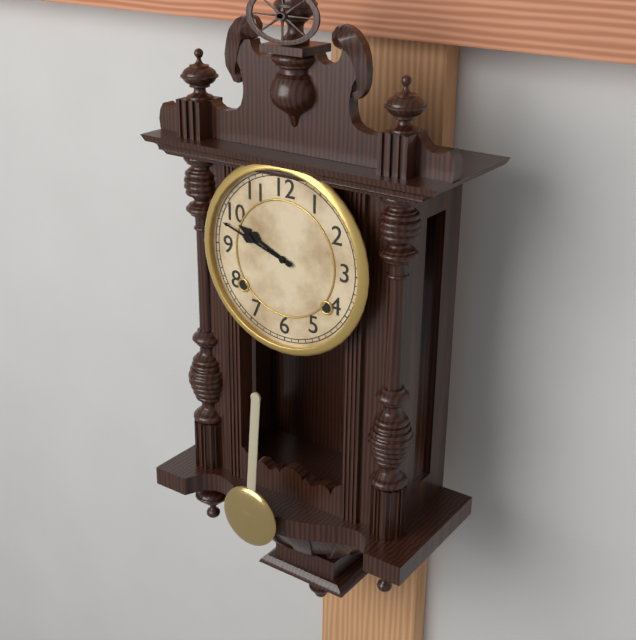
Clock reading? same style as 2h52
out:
9h48
